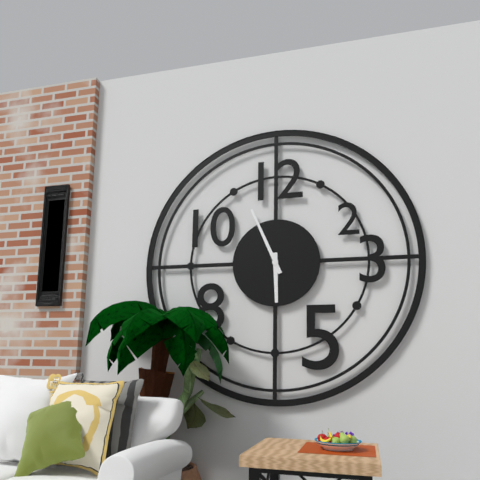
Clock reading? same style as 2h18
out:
5h56
